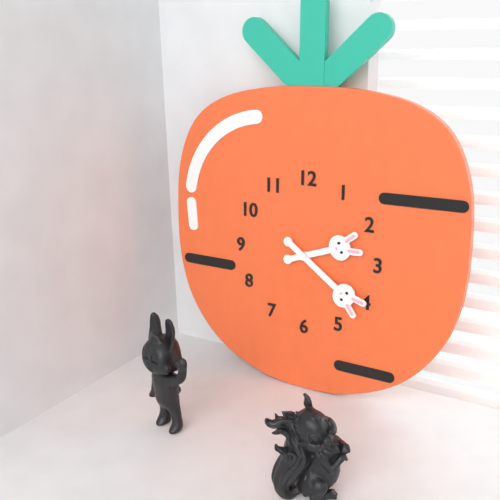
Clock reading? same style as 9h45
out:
2h21
